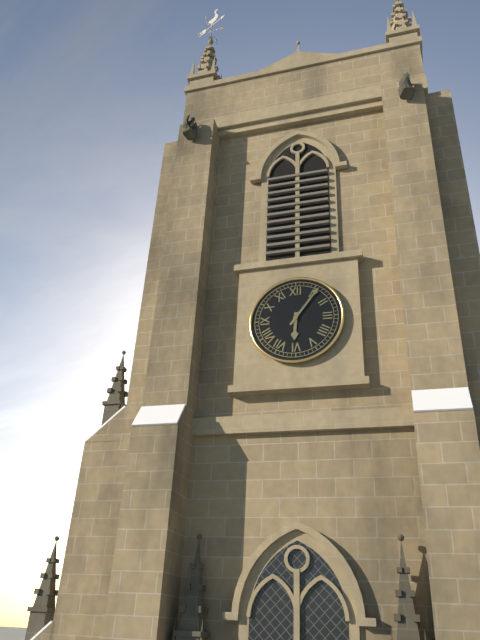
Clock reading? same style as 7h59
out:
6h06
